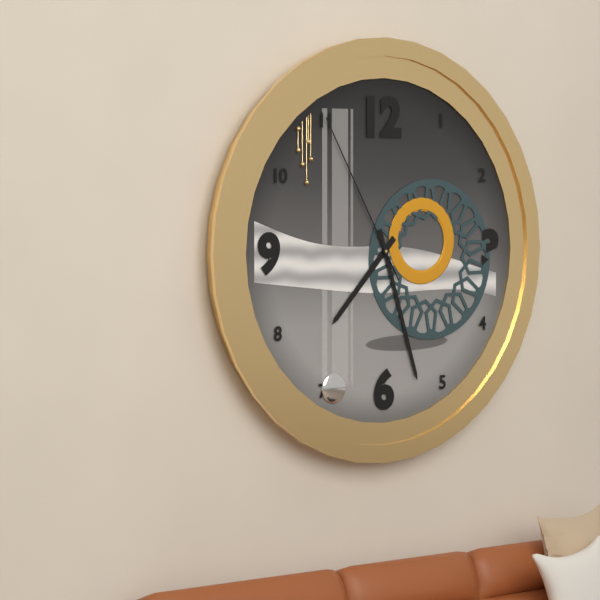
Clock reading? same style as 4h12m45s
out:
7h27m55s
